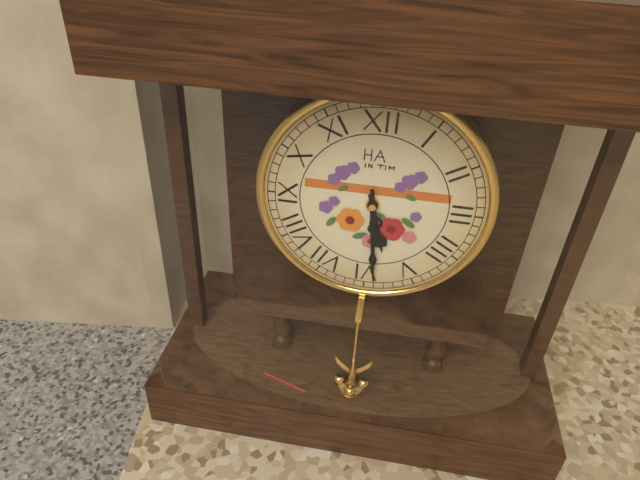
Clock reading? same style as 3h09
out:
5h29
